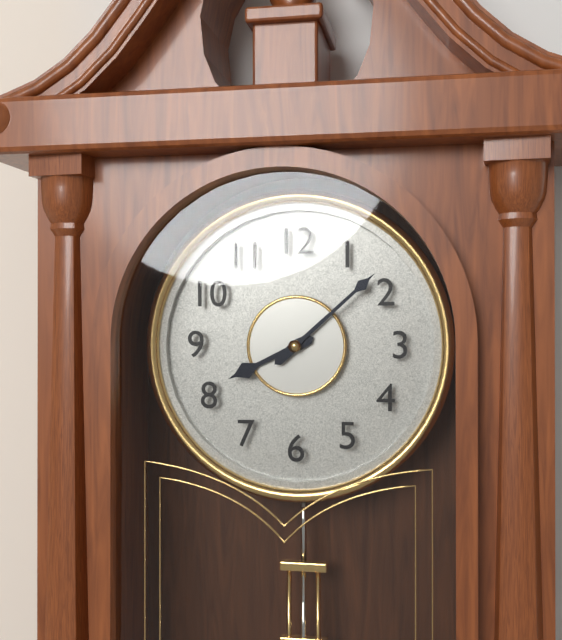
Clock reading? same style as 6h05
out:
8h08
